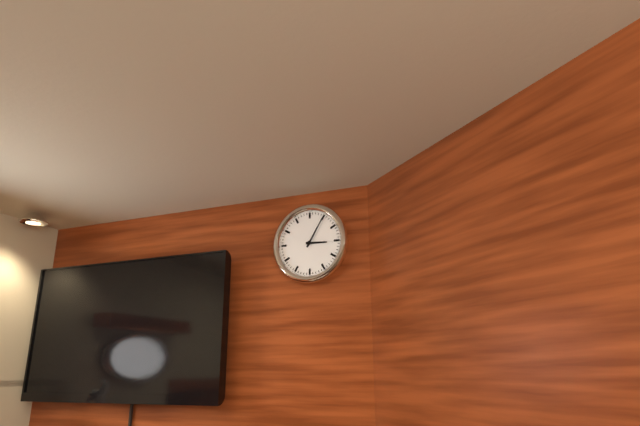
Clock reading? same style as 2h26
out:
3h05
